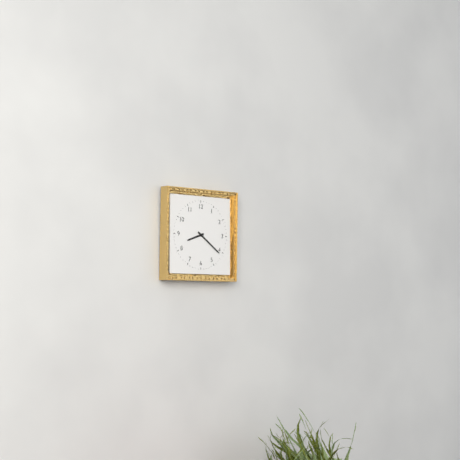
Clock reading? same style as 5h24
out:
8h21
